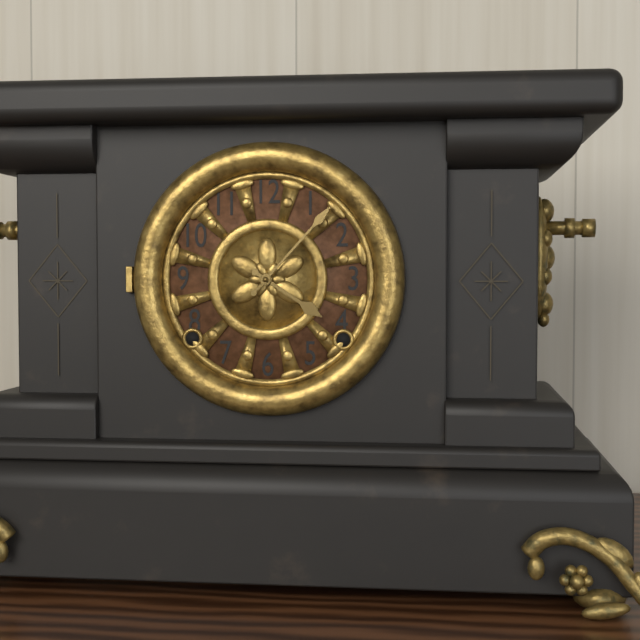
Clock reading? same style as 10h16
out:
4h07
